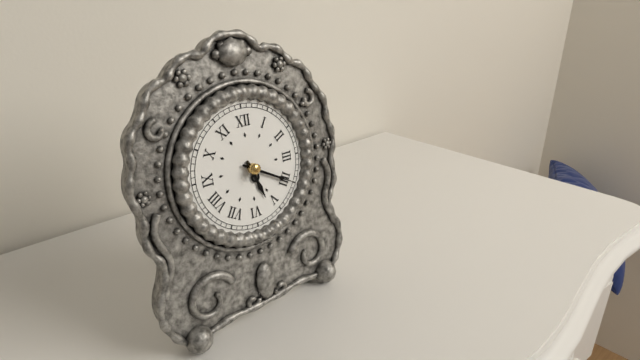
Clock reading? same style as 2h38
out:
5h20
